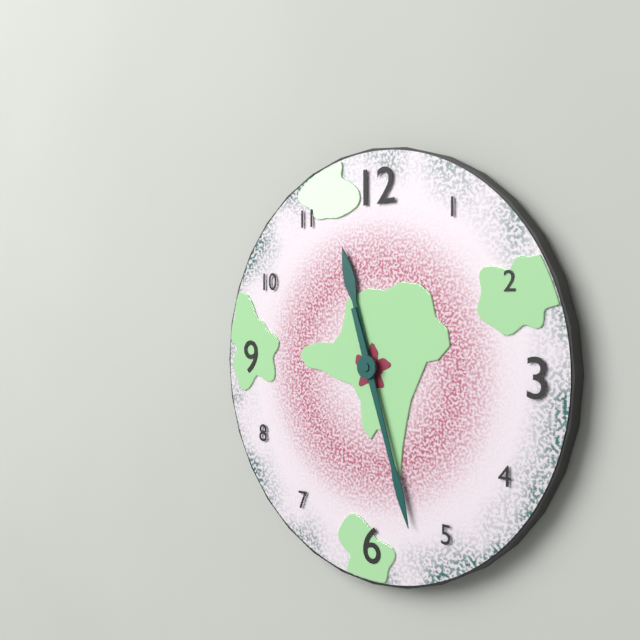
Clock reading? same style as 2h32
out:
11h27
